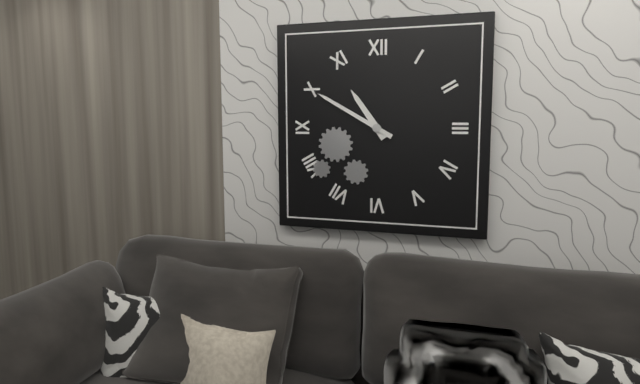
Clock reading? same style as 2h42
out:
10h50
